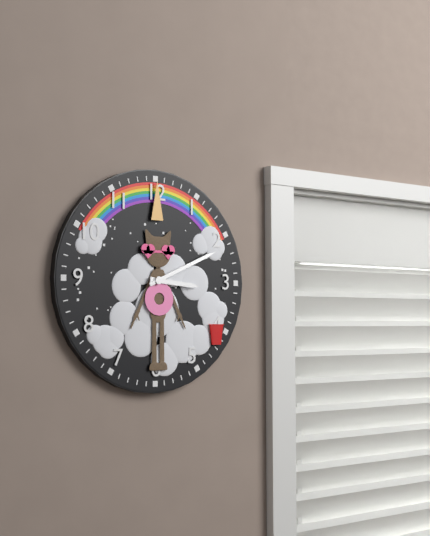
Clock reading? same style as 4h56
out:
3h11
